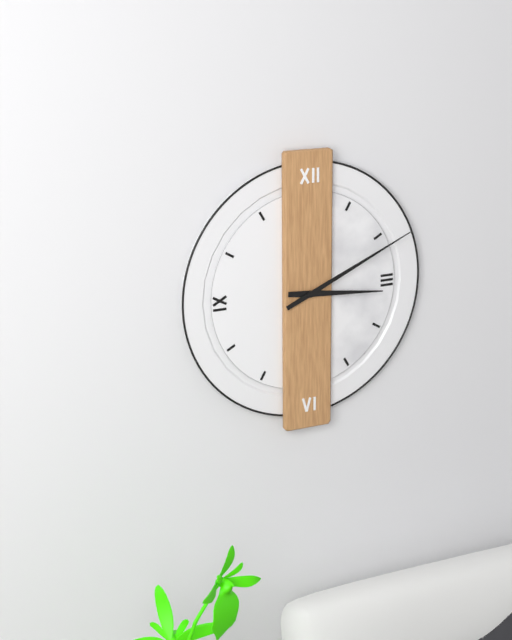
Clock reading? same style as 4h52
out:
3h11
